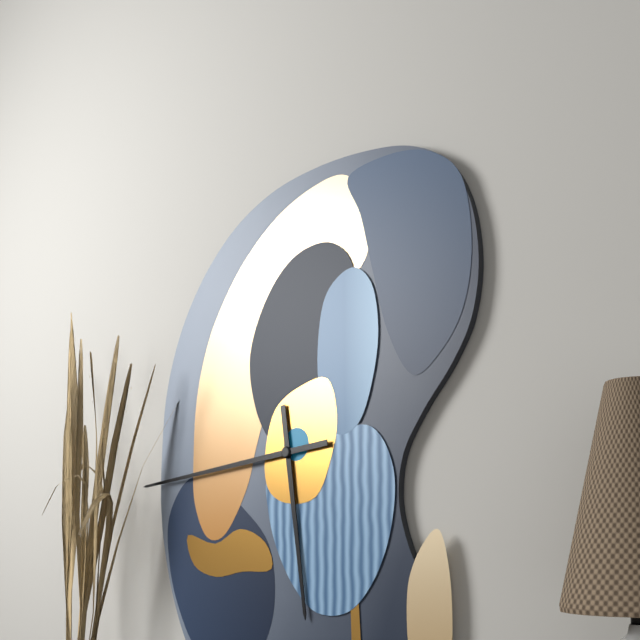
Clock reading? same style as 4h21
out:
5h44
